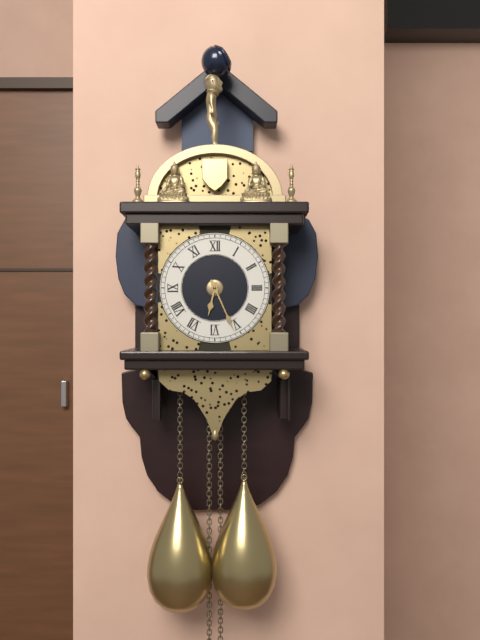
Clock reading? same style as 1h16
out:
6h26
